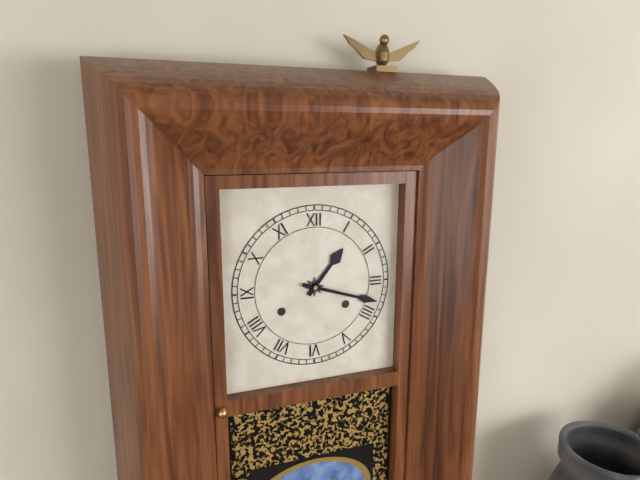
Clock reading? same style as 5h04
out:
1h18
